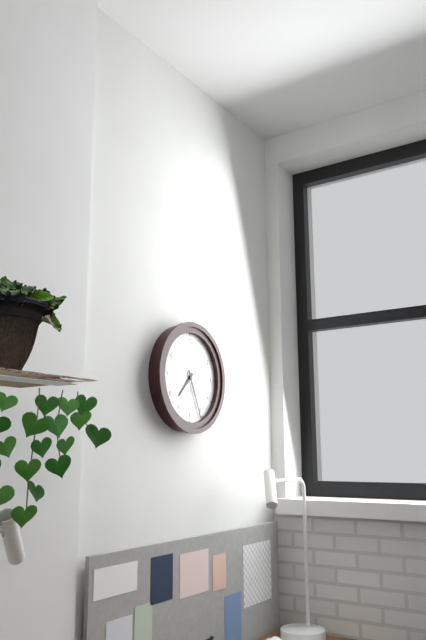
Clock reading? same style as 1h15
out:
7h26
